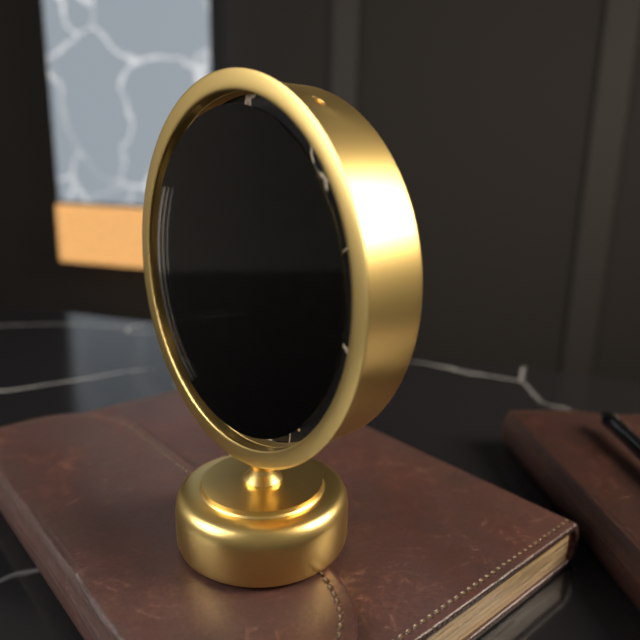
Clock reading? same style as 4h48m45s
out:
12h23m15s
